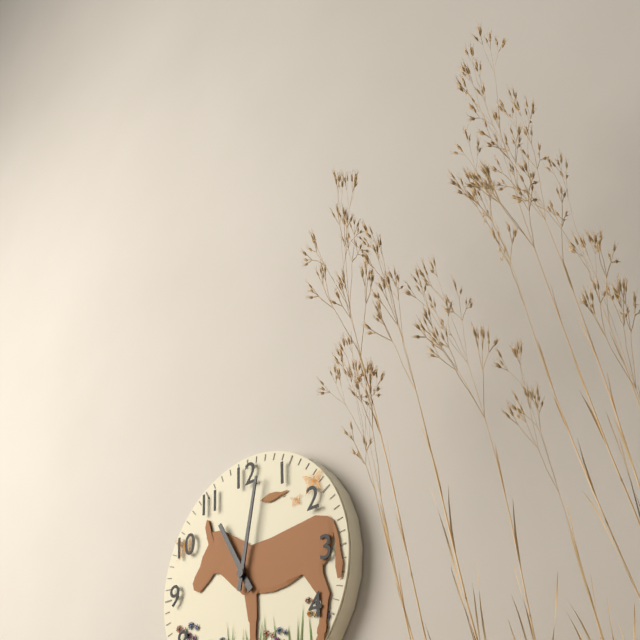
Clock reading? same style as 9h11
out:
11h02
